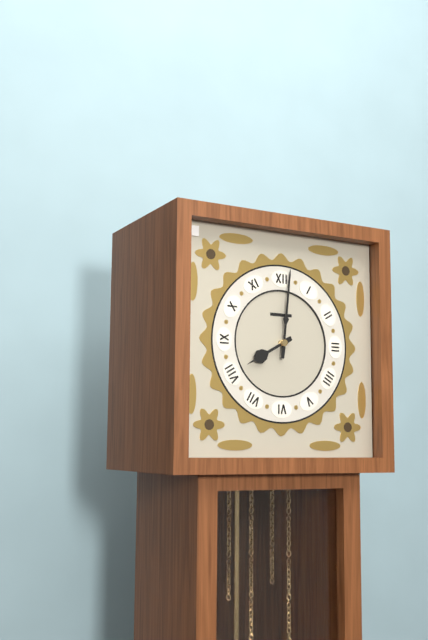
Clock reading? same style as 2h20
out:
8h01
